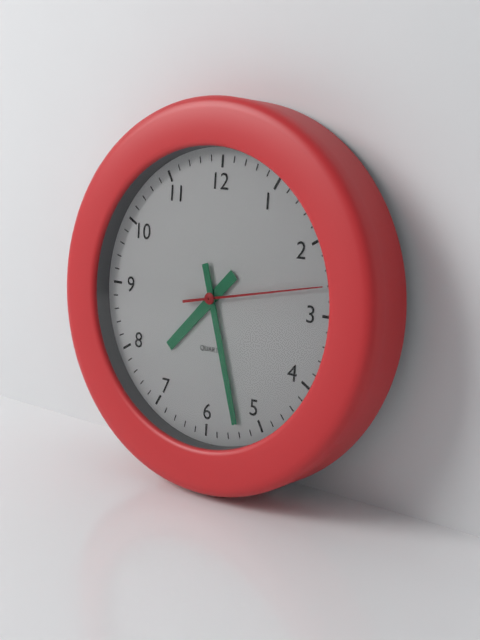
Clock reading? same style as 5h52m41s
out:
7h27m13s
